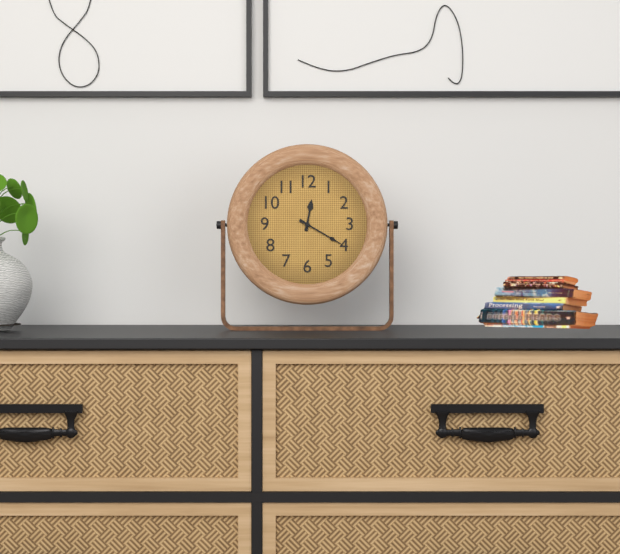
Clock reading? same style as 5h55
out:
12h20
